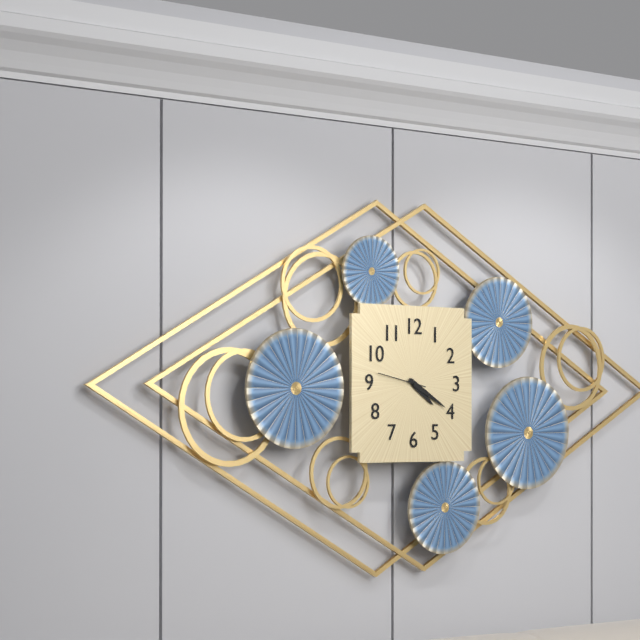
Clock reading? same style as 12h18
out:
4h20
